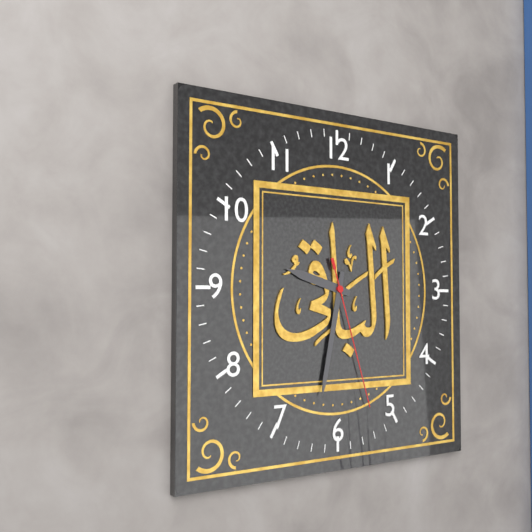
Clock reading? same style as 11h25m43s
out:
9h32m27s
